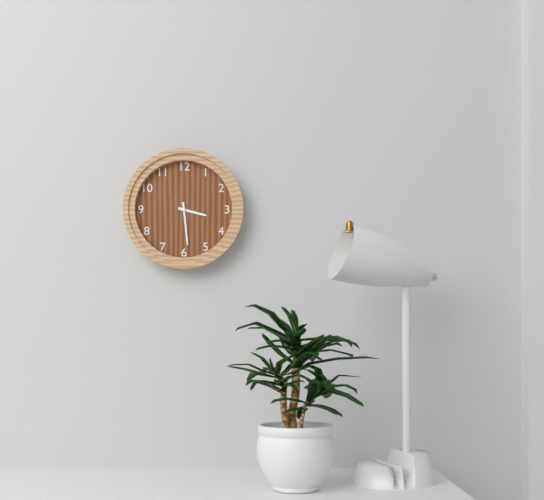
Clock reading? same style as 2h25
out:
3h29
